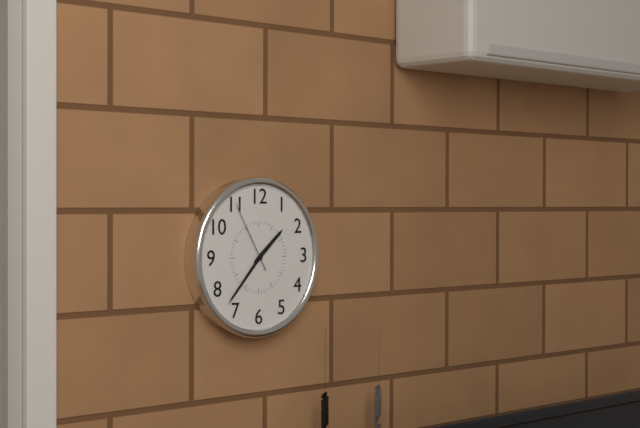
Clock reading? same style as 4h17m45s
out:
1h37m55s
